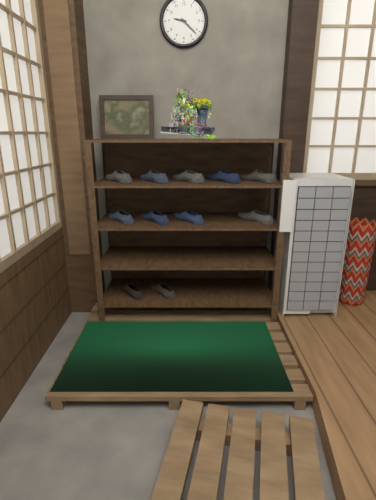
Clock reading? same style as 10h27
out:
9h22
